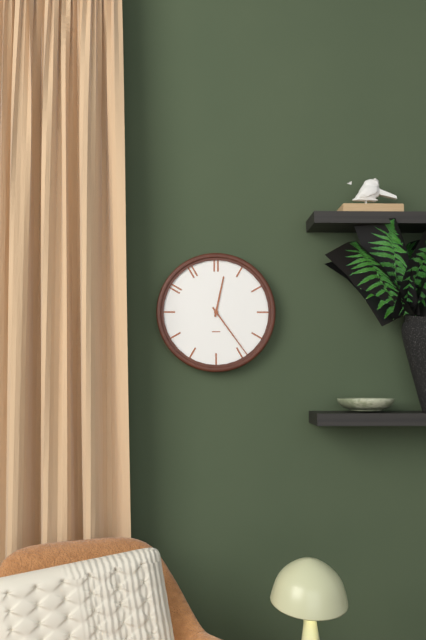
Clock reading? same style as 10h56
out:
12h24
